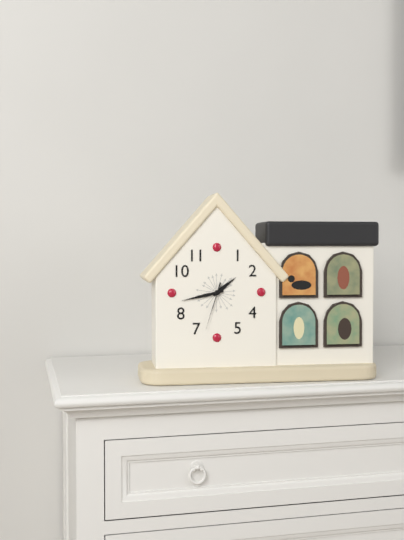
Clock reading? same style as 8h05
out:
1h43
